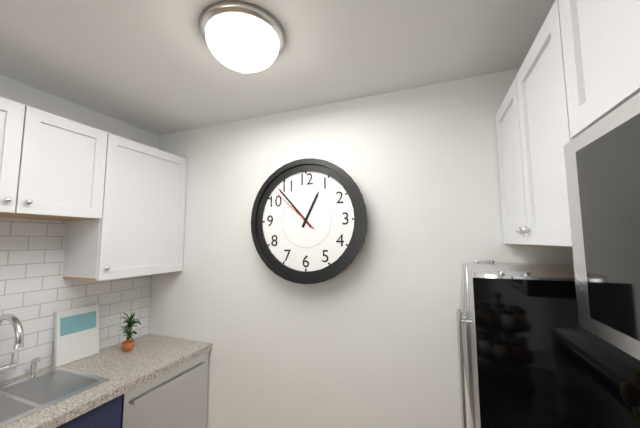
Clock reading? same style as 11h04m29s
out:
12h53m52s
